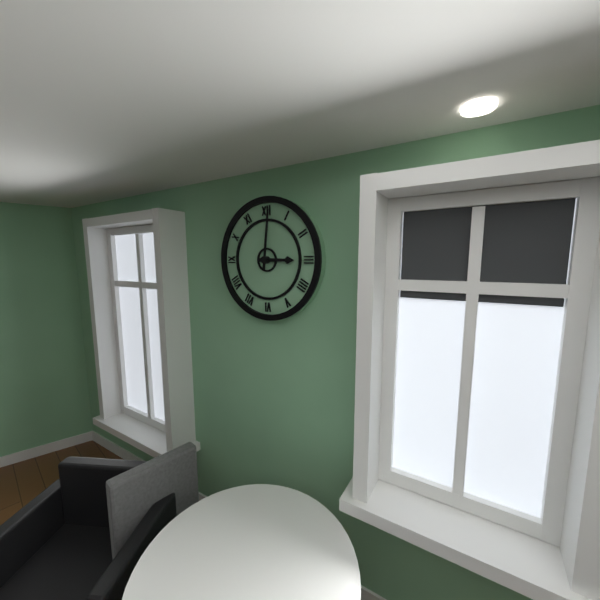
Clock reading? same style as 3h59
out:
3h01
